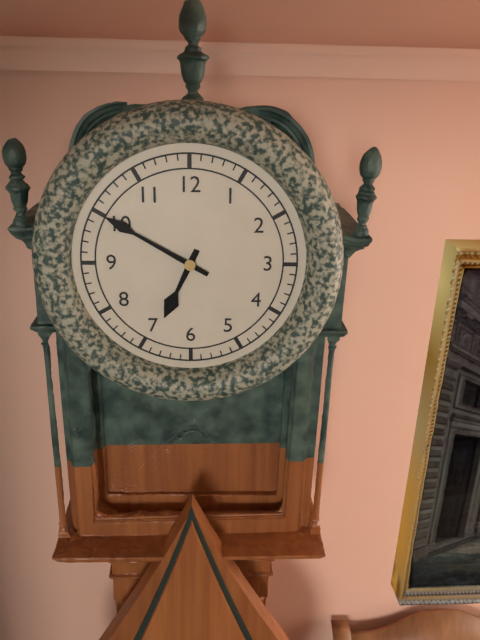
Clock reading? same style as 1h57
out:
6h50
